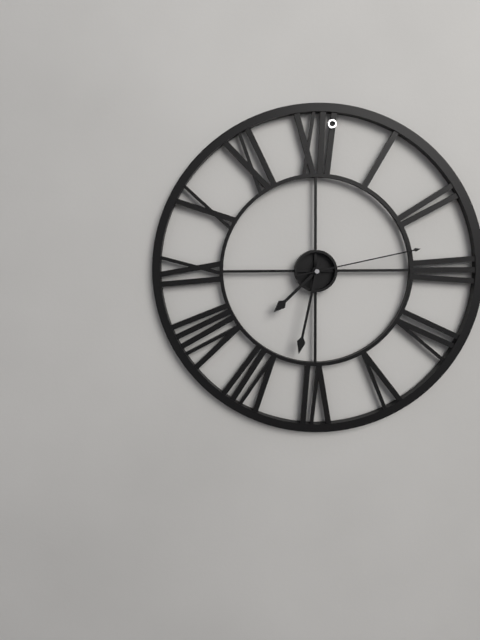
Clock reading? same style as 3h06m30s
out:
7h32m13s
